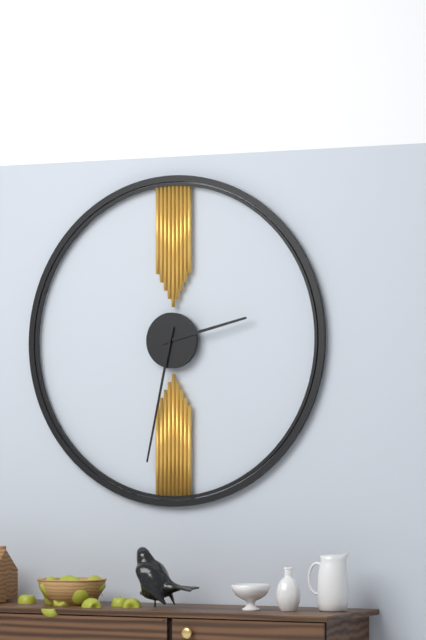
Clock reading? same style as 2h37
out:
2h32
